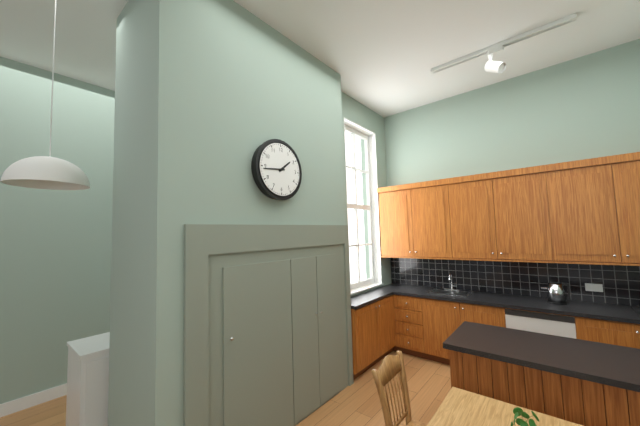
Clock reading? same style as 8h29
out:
1h44
